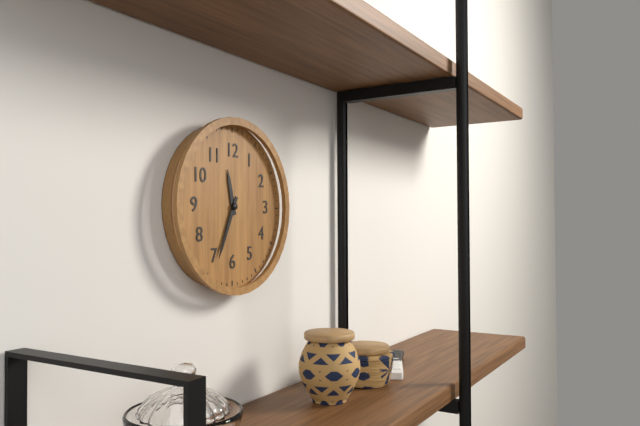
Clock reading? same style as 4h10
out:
11h34
